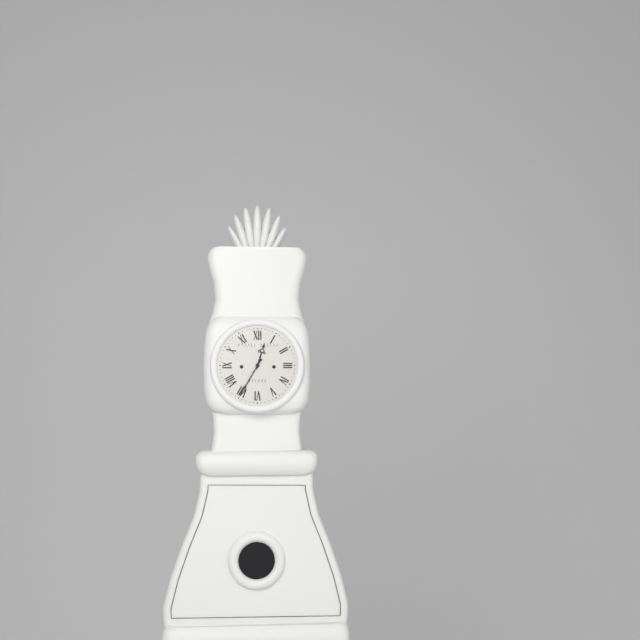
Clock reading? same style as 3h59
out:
12h35
